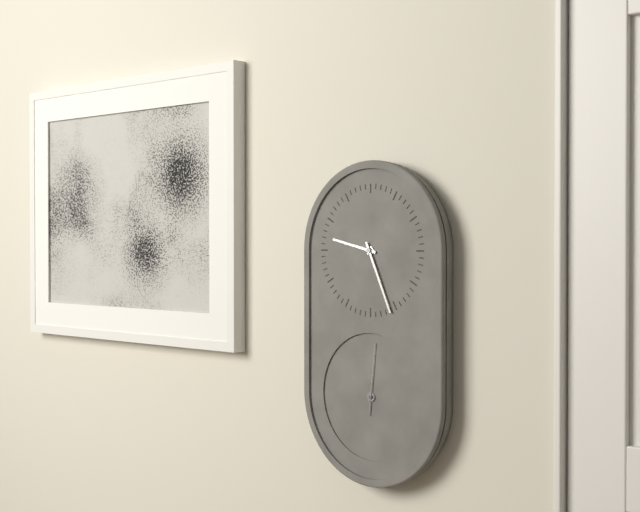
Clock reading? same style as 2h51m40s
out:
9h26m01s
